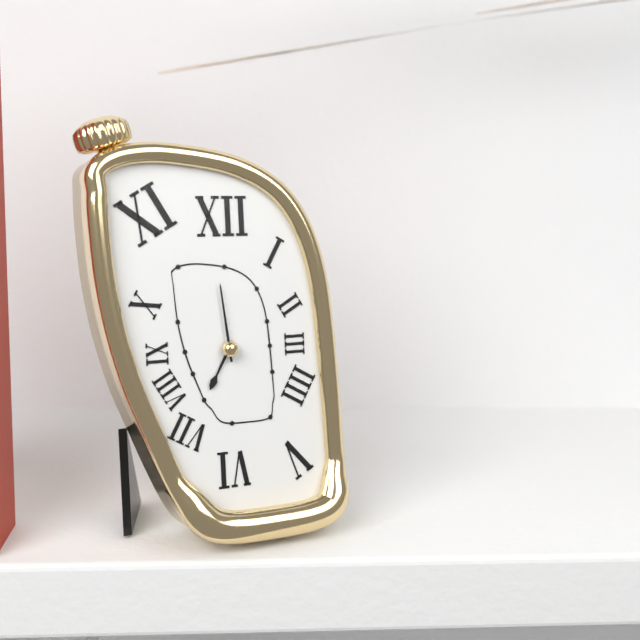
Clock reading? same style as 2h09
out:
6h59
